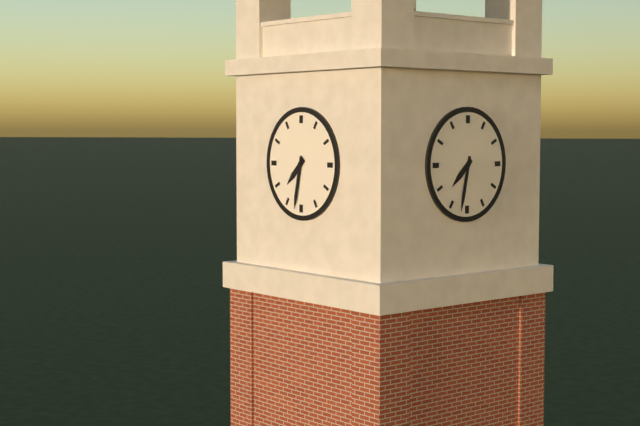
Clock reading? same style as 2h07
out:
7h32
